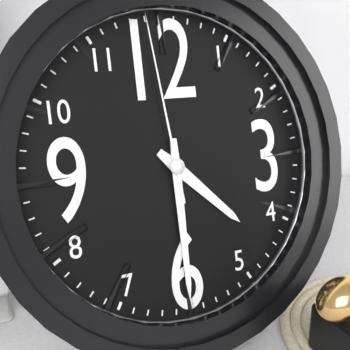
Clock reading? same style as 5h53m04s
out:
4h30m59s
